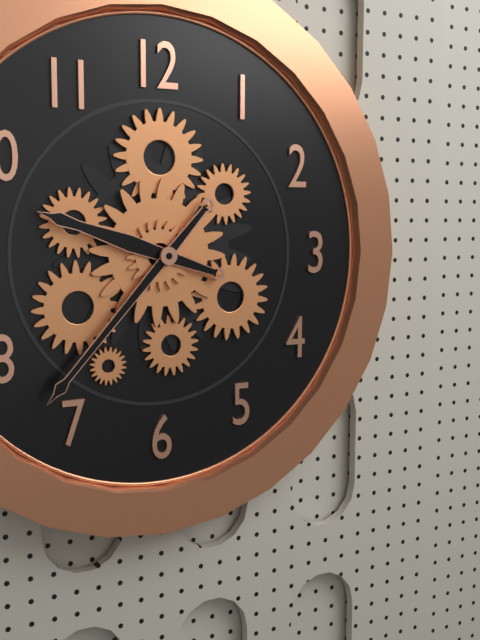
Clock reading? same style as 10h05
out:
9h37
